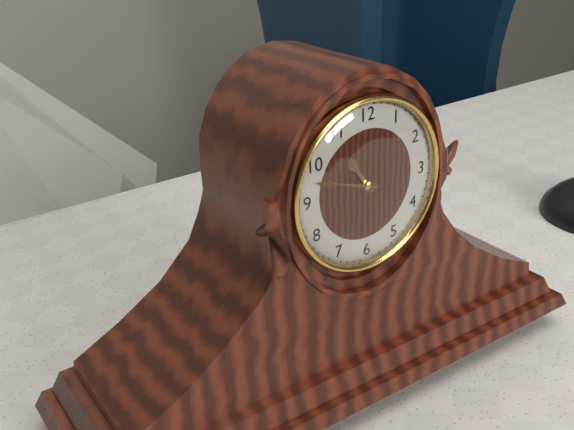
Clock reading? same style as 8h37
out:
10h48
